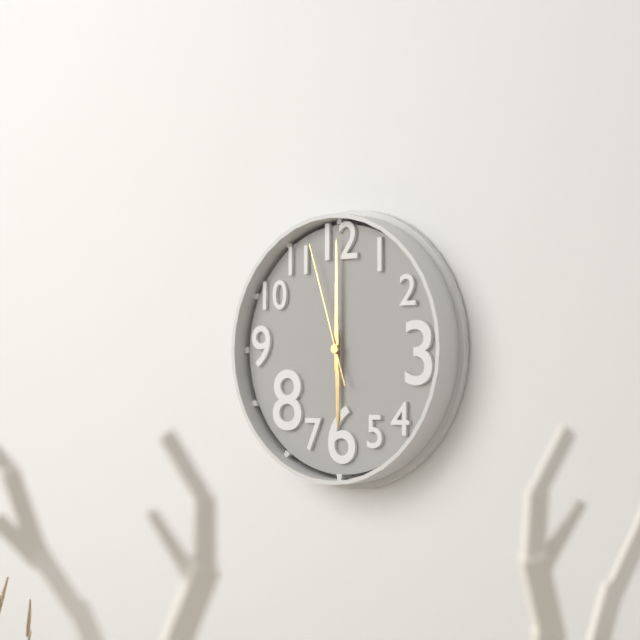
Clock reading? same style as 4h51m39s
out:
6h00m57s
